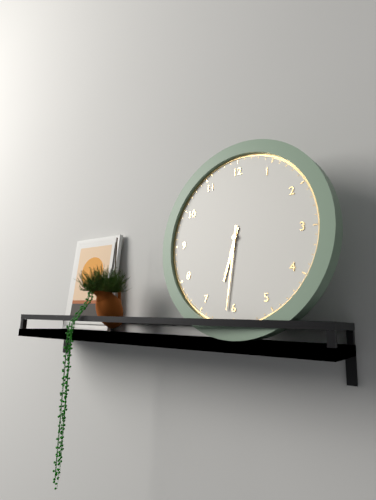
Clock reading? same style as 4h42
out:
6h31
